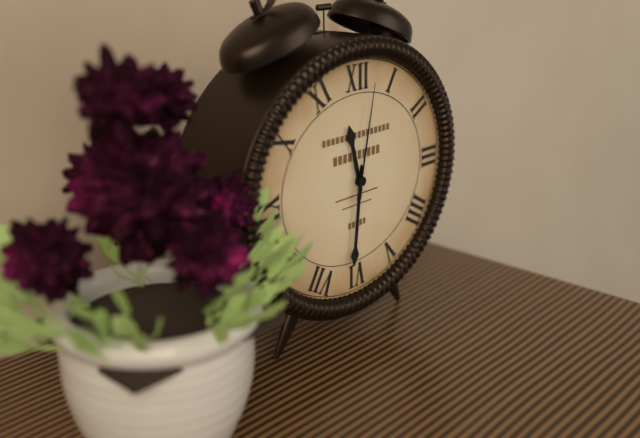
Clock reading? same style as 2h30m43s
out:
11h31m02s
